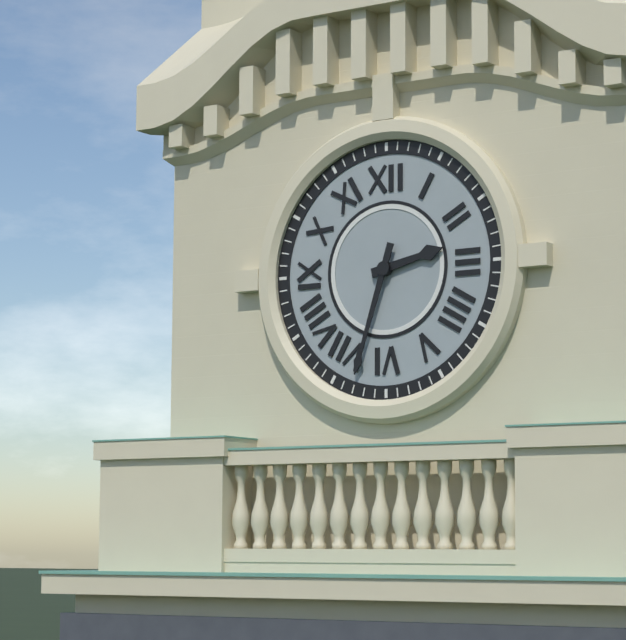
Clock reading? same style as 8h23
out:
2h33
